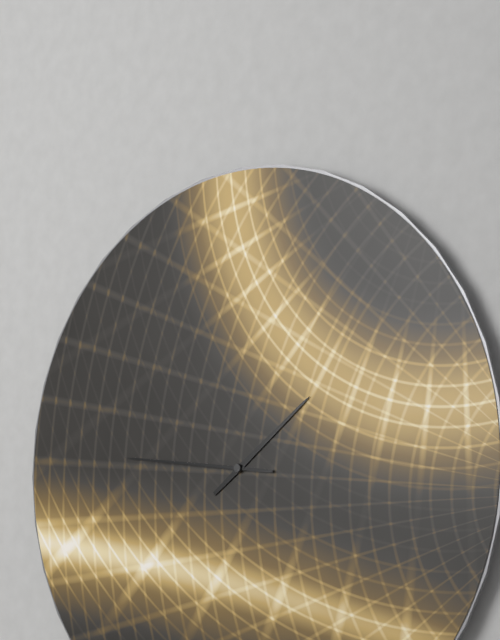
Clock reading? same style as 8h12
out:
1h46
